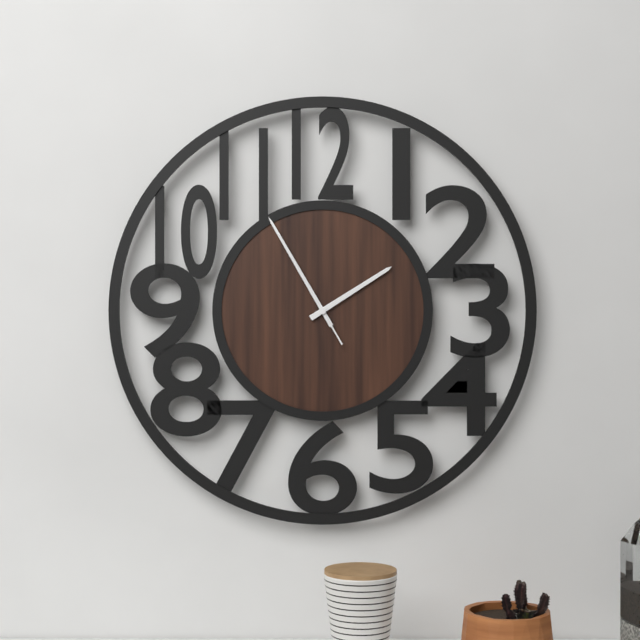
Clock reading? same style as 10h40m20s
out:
1h55m55s
